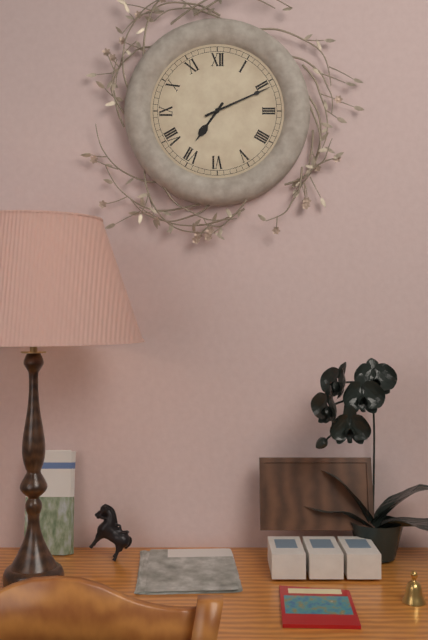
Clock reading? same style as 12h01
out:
7h11
